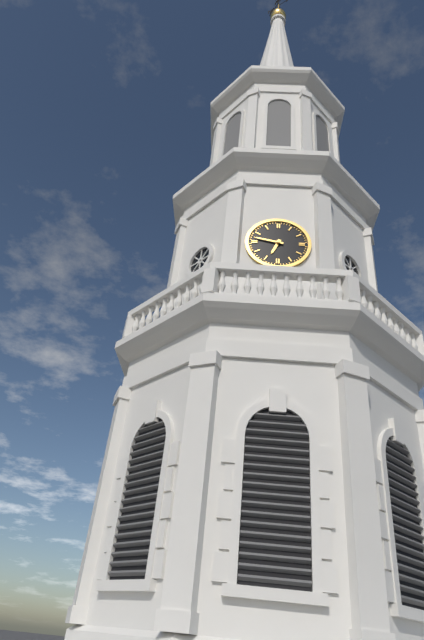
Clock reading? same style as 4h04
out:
6h47
